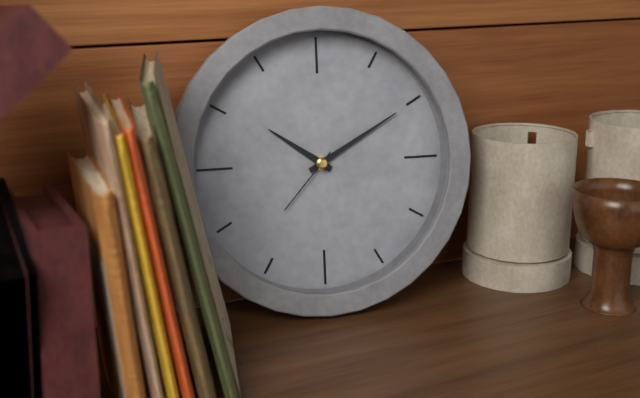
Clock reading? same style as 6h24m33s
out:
10h10m37s
